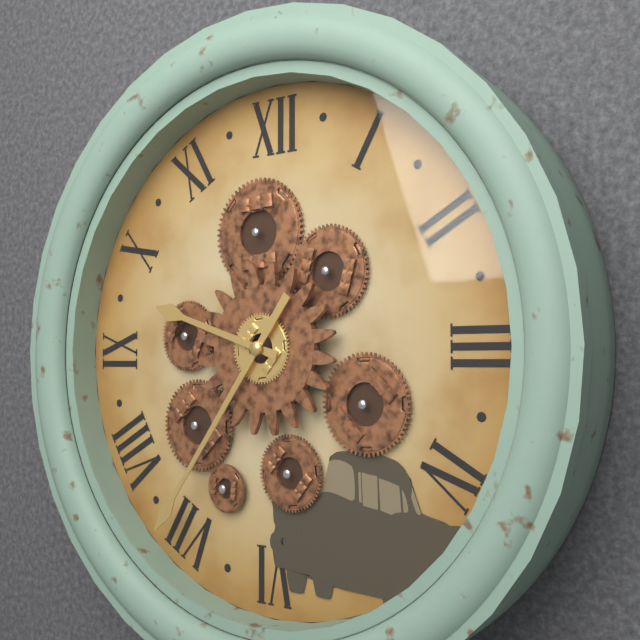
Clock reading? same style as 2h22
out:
9h36
